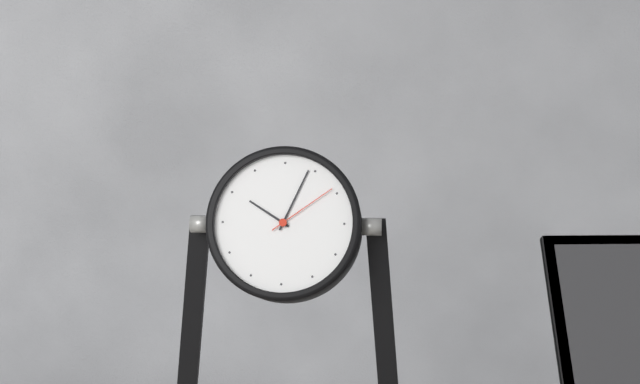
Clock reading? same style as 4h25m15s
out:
10h04m09s
